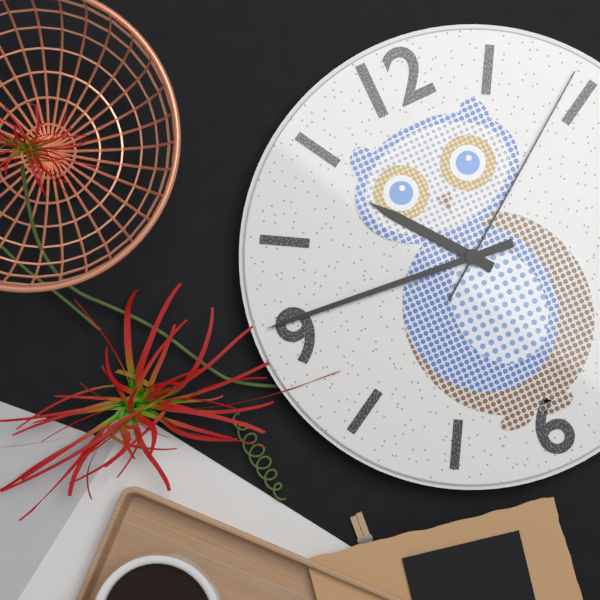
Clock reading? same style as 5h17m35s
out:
10h46m09s
